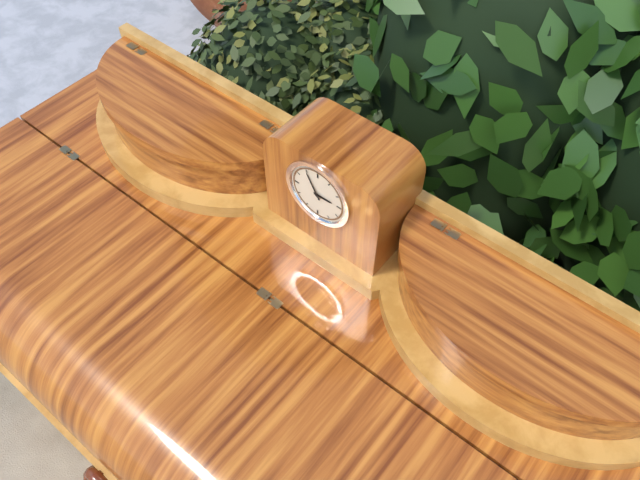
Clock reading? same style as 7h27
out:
2h55
